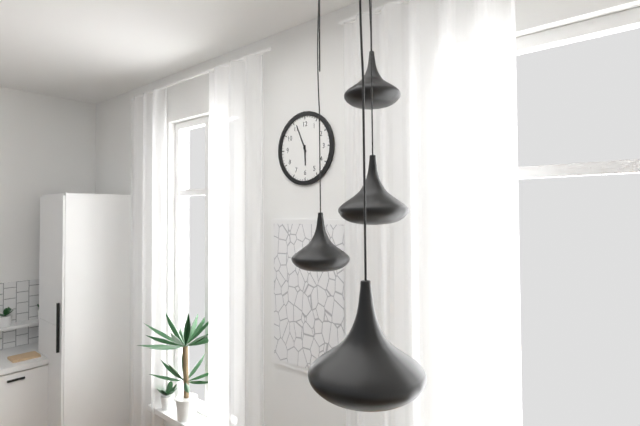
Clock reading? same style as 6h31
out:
5h56
